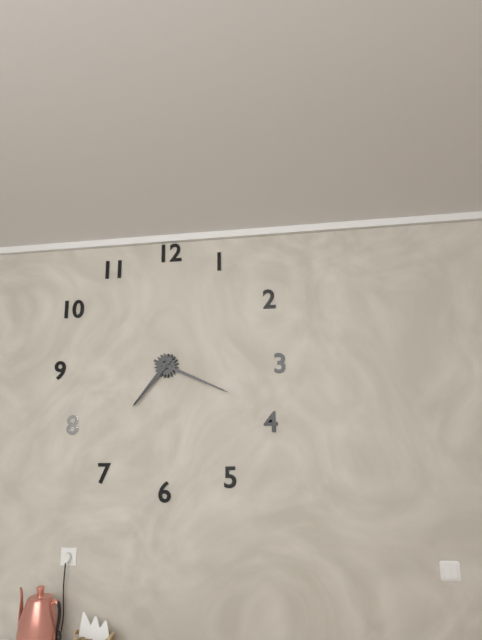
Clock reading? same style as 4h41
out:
7h19
